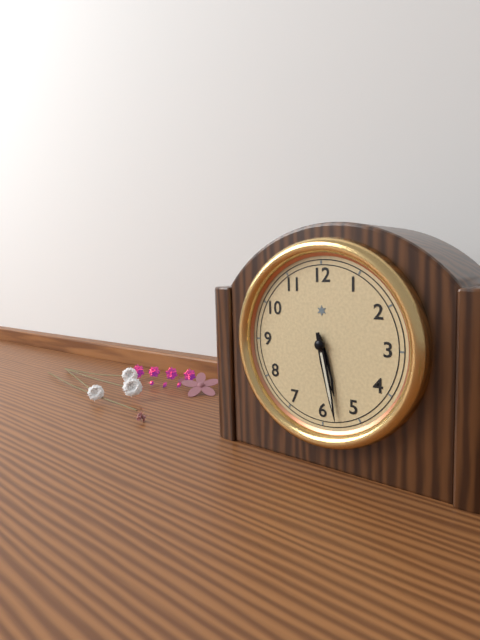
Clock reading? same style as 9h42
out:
5h28
